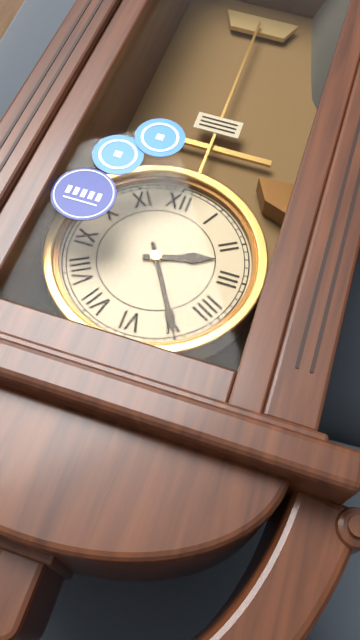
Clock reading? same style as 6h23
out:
2h25
